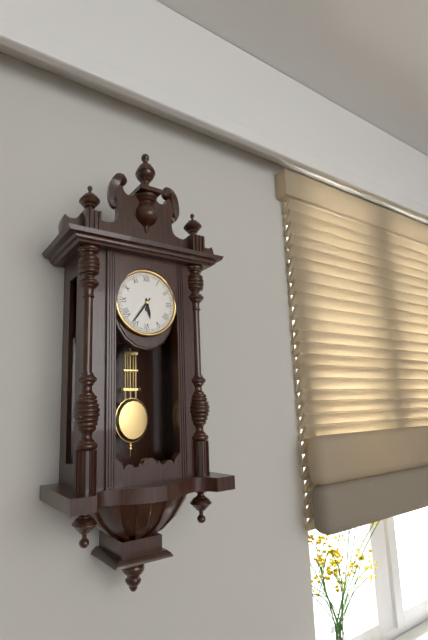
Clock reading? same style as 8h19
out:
5h36
